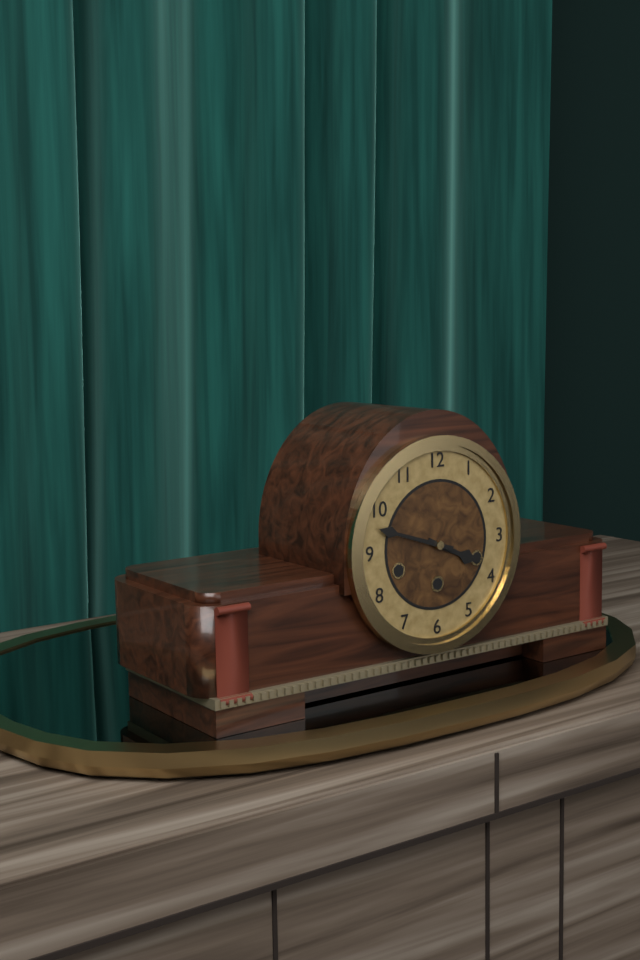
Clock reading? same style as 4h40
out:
3h48
